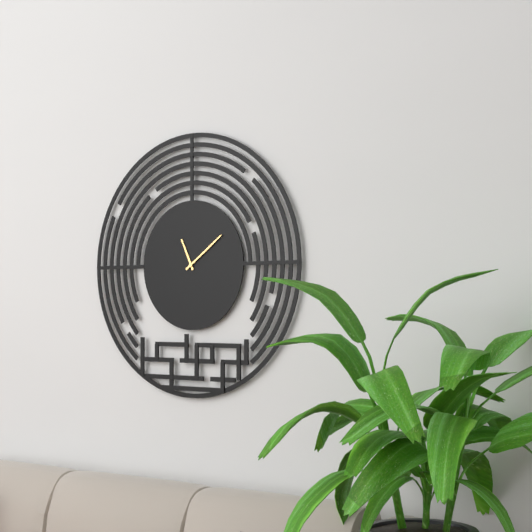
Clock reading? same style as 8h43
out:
11h09
